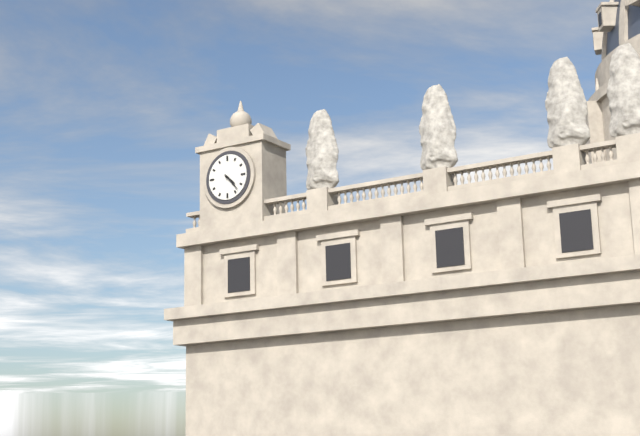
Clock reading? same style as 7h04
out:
4h23
